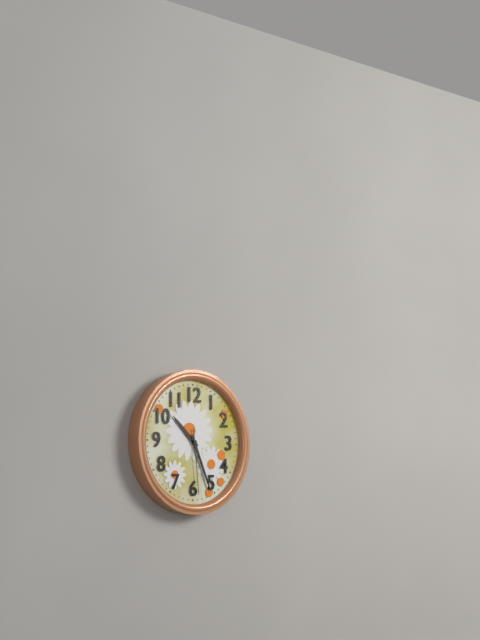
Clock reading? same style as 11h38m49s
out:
10h26m29s
